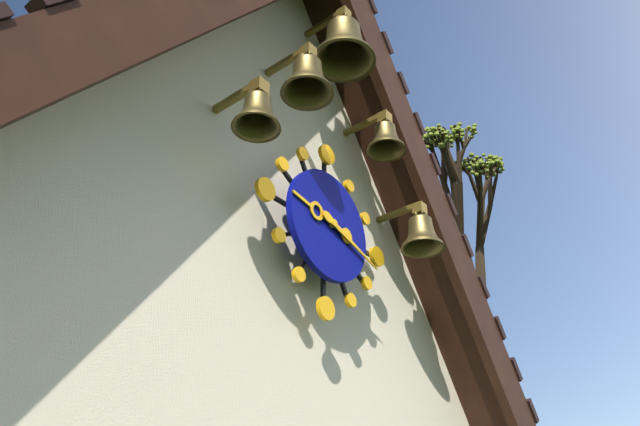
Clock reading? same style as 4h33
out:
9h18
